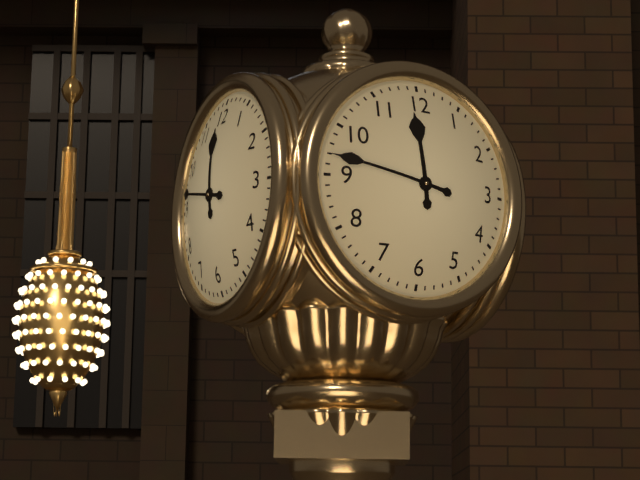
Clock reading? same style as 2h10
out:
11h47
